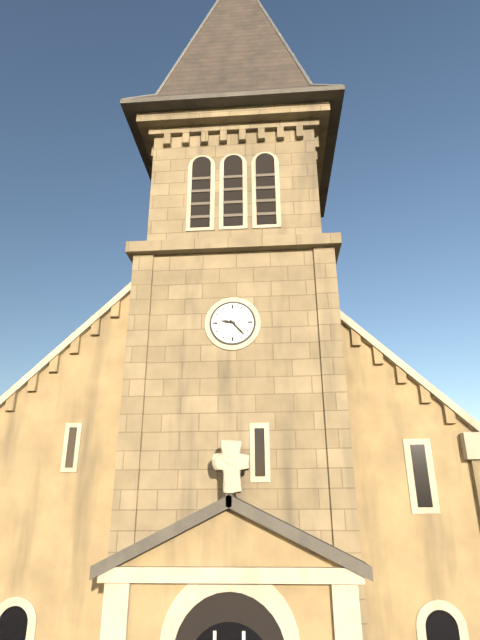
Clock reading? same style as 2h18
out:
9h23
